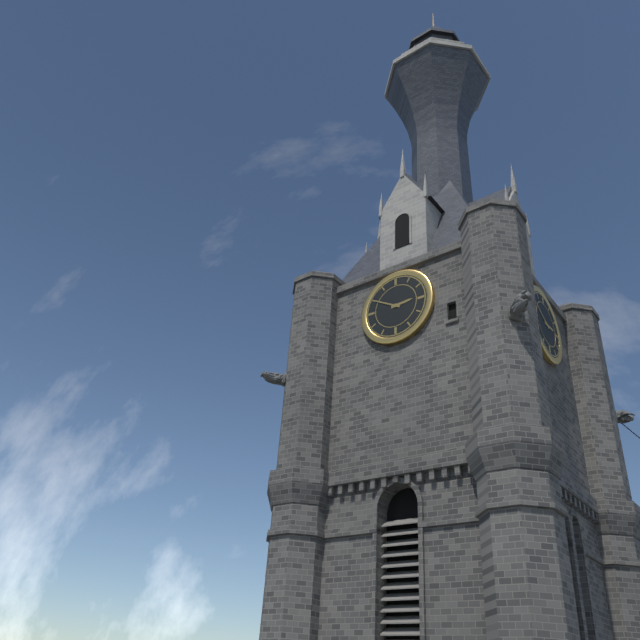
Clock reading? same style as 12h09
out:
2h50
